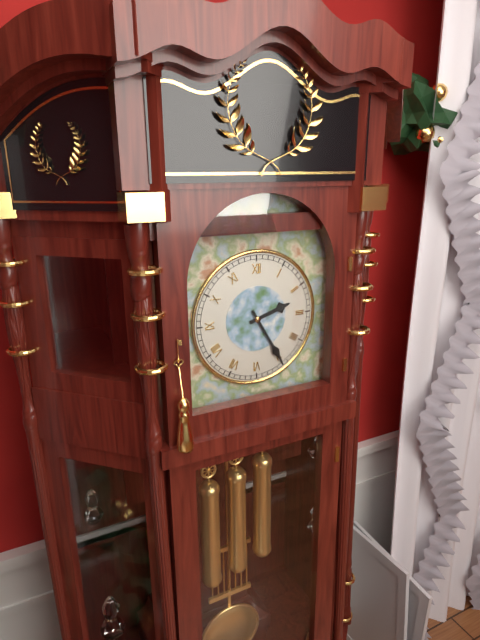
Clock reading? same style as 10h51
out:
2h25
